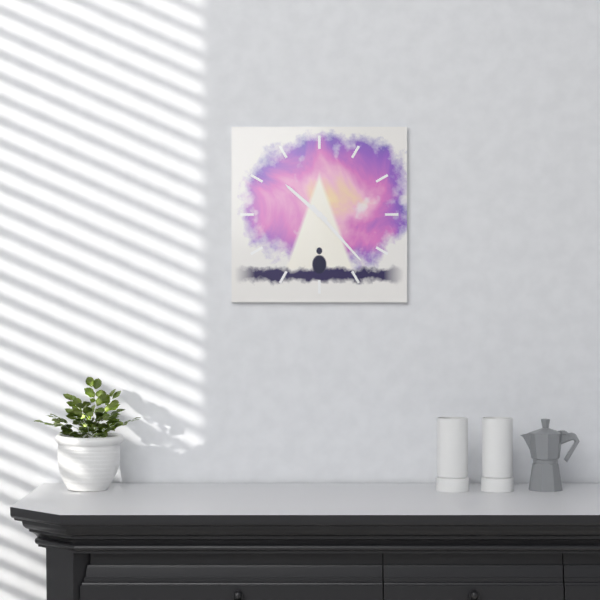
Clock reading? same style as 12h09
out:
10h23
